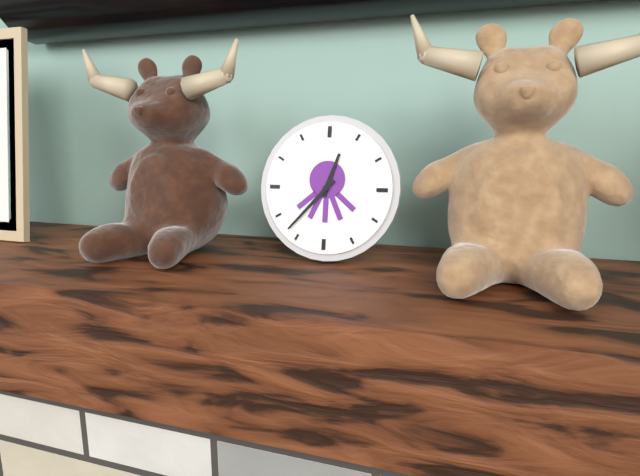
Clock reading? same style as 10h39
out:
12h37
